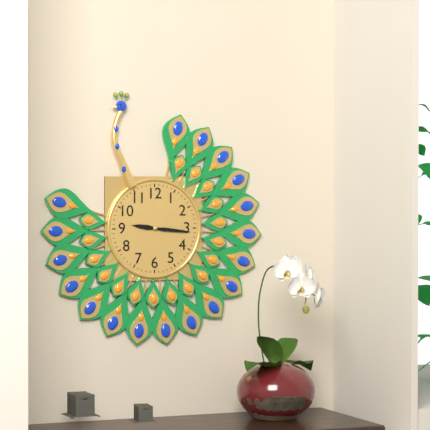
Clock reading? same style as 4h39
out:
9h16
